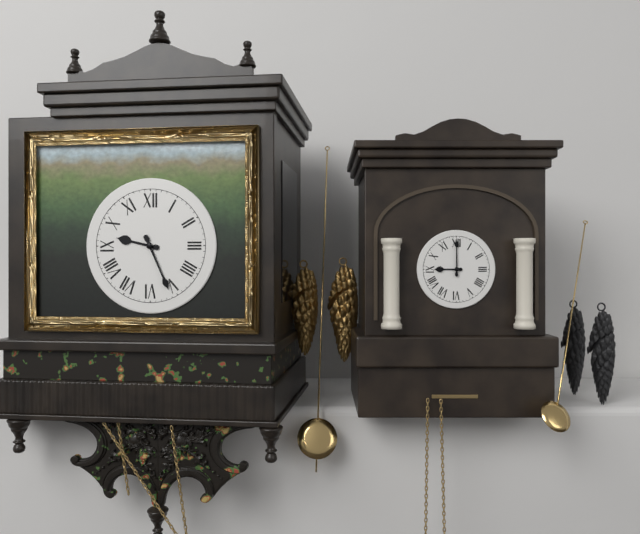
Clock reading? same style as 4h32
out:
9h26
